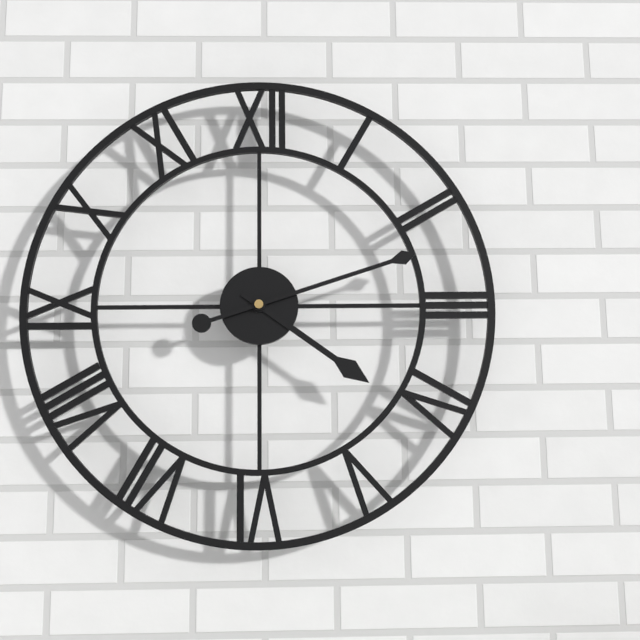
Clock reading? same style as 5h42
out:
4h12
